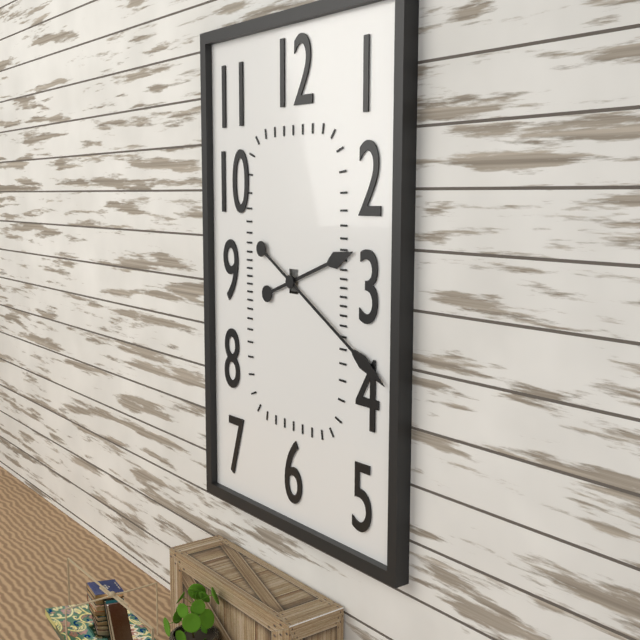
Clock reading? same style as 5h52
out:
2h20
